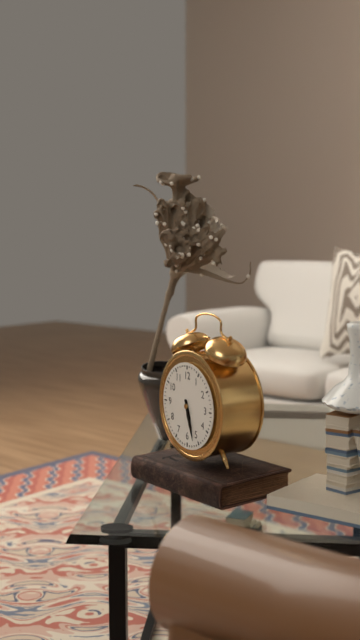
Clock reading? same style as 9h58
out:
5h27
